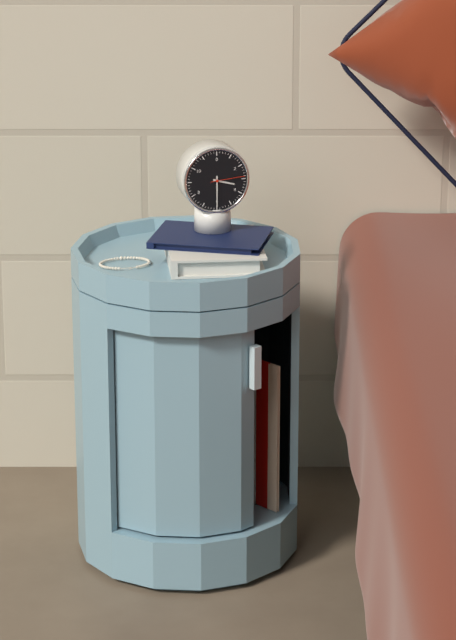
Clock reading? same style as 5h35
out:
3h30
